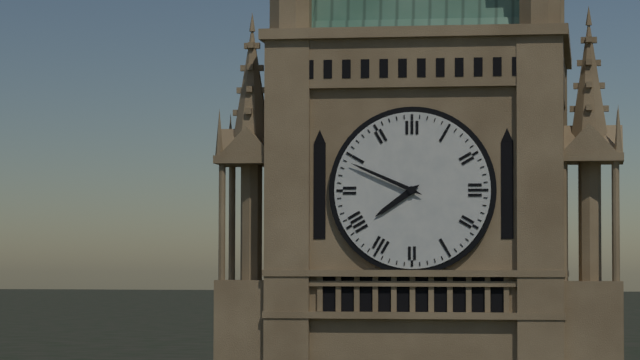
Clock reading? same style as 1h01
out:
7h49
